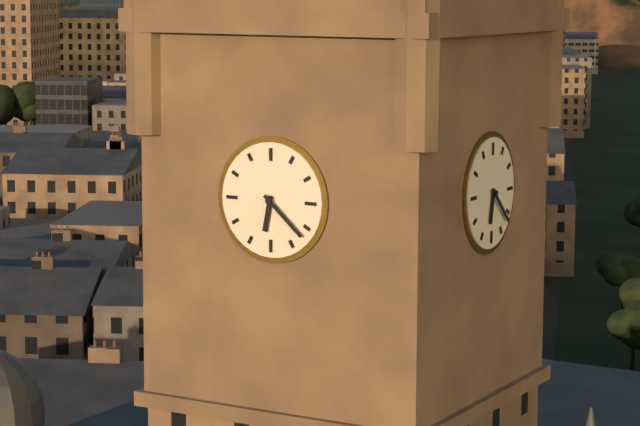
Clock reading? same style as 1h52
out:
6h22
